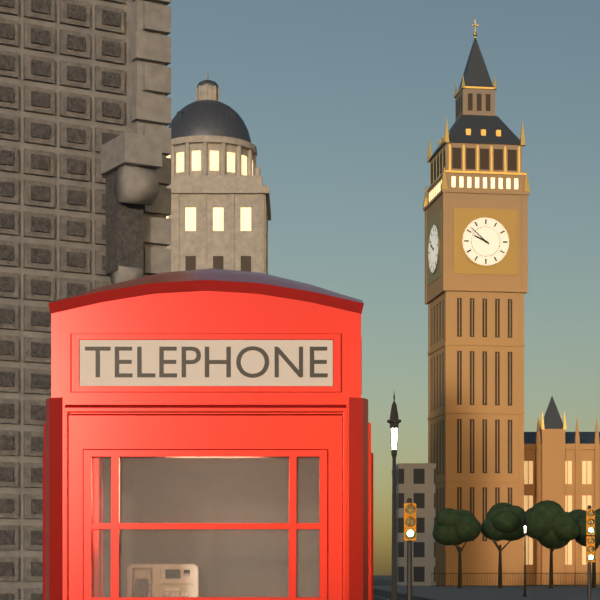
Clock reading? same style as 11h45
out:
9h52
